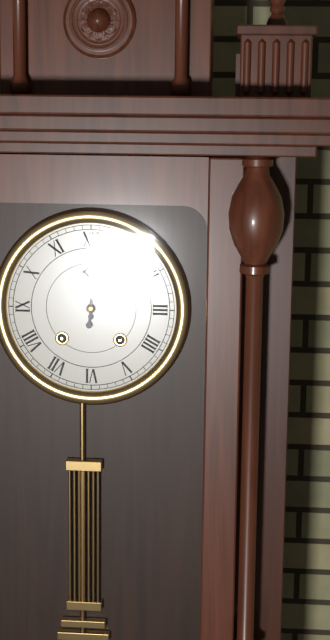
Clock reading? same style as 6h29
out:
12h01
